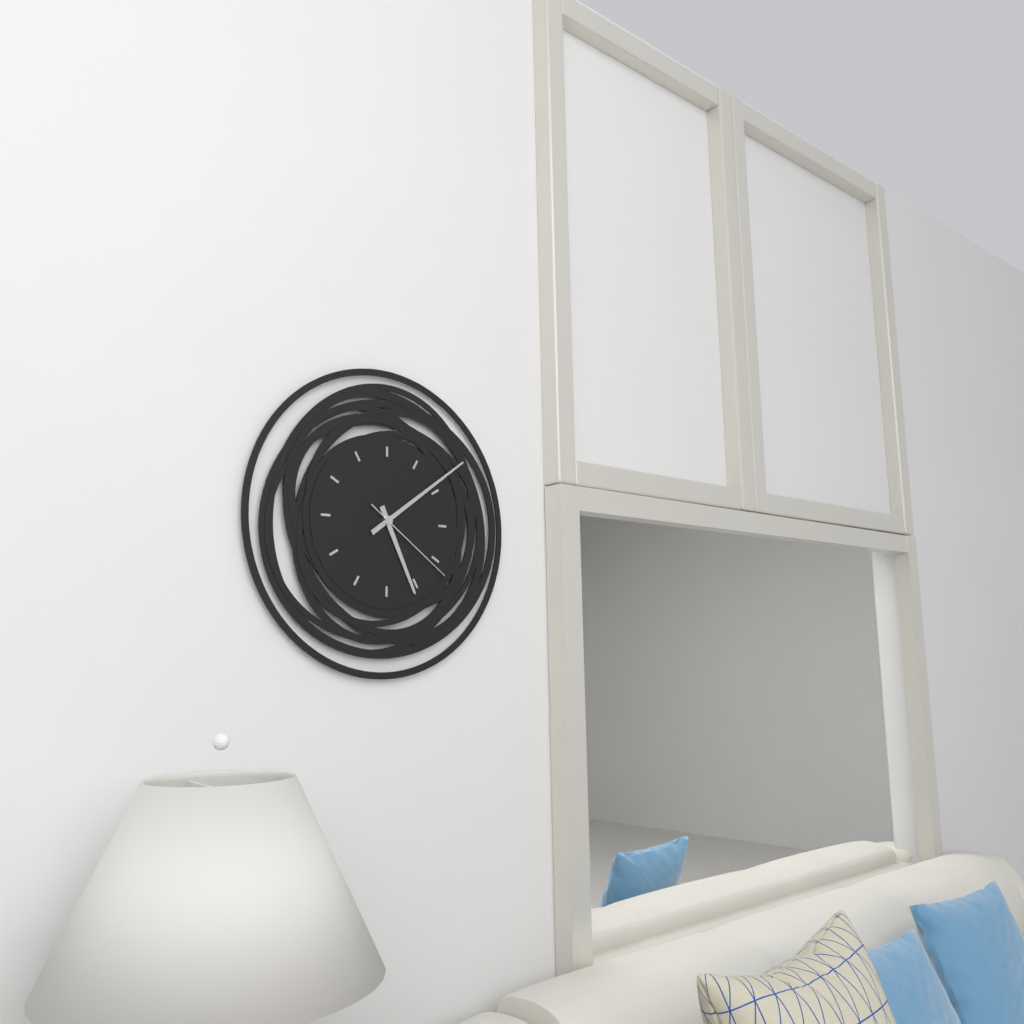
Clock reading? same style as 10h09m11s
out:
5h09m21s
